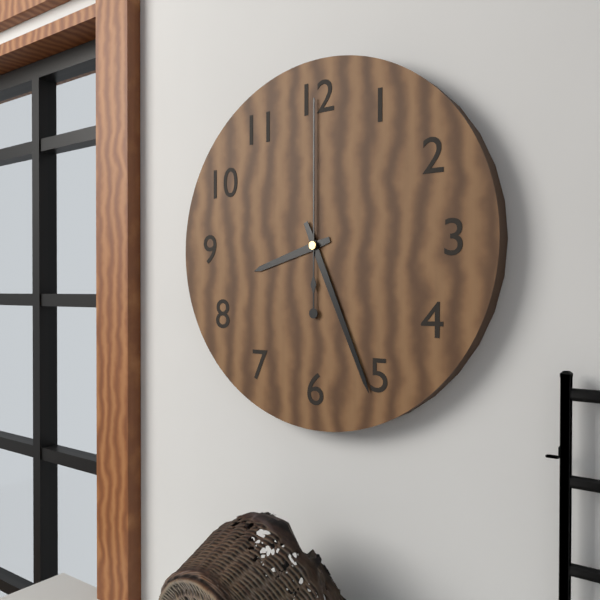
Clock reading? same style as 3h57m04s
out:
8h26m00s
